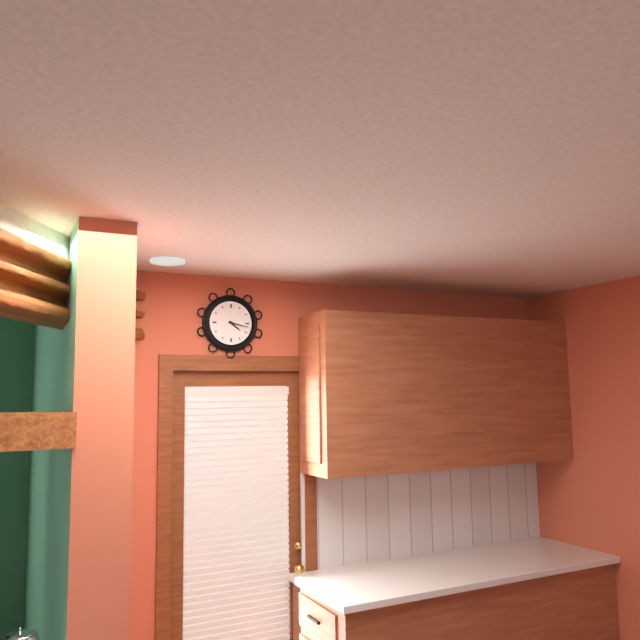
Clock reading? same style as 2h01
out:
4h17
